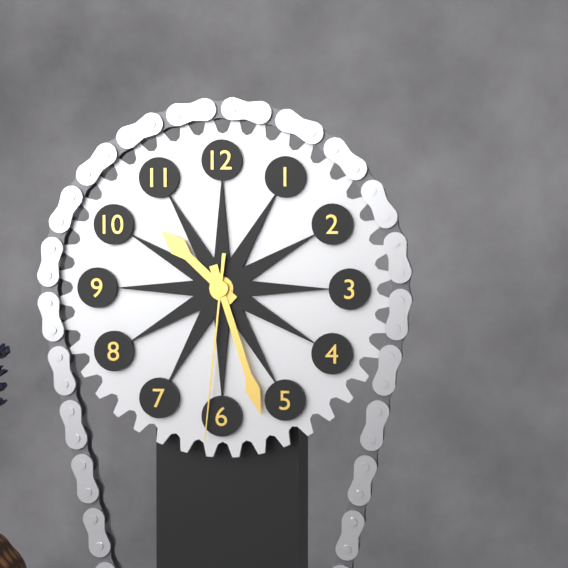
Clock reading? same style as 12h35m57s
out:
10h27m31s
